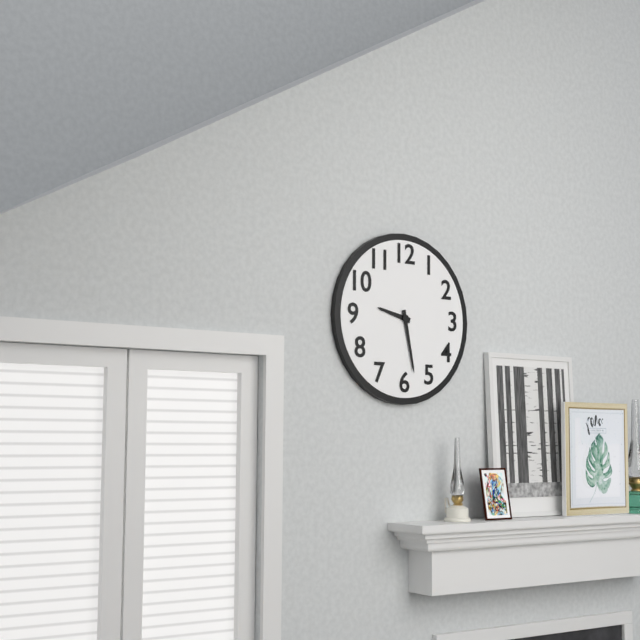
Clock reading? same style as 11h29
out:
9h28
